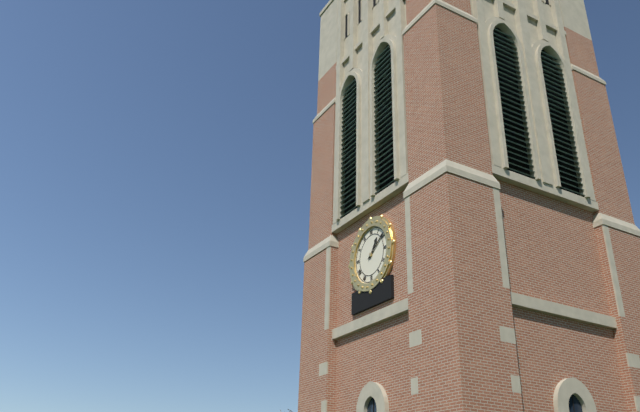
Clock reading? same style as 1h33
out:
1h09
